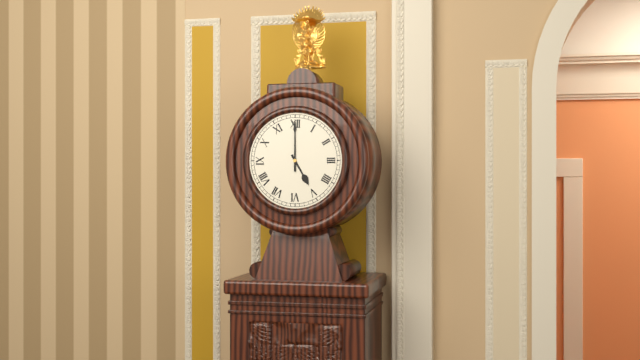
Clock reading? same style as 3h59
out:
5h00
